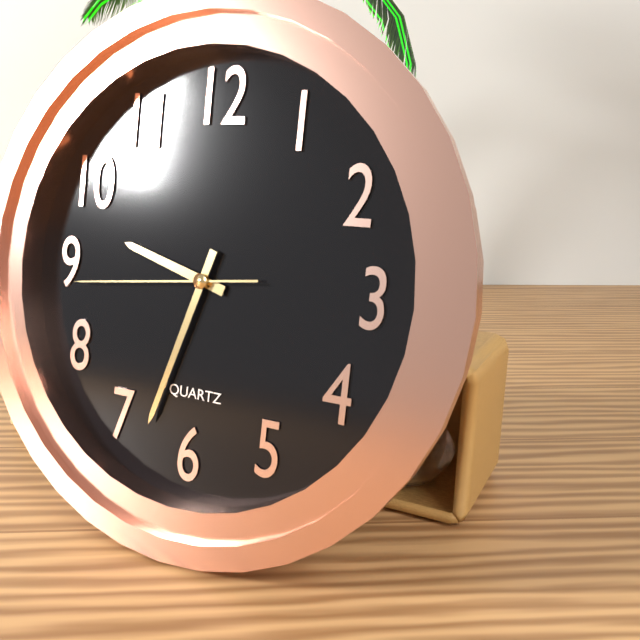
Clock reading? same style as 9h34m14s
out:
9h33m44s
